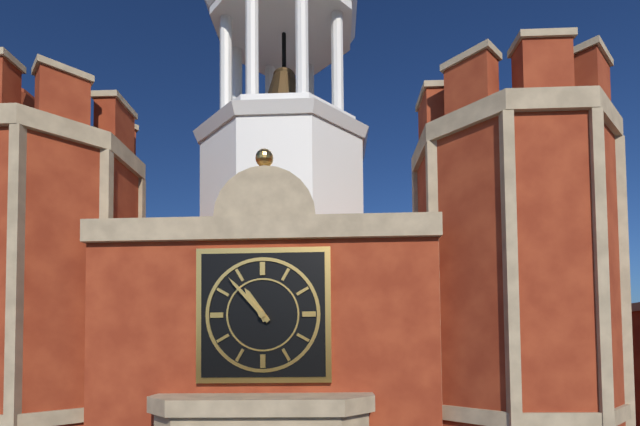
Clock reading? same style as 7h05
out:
10h53
